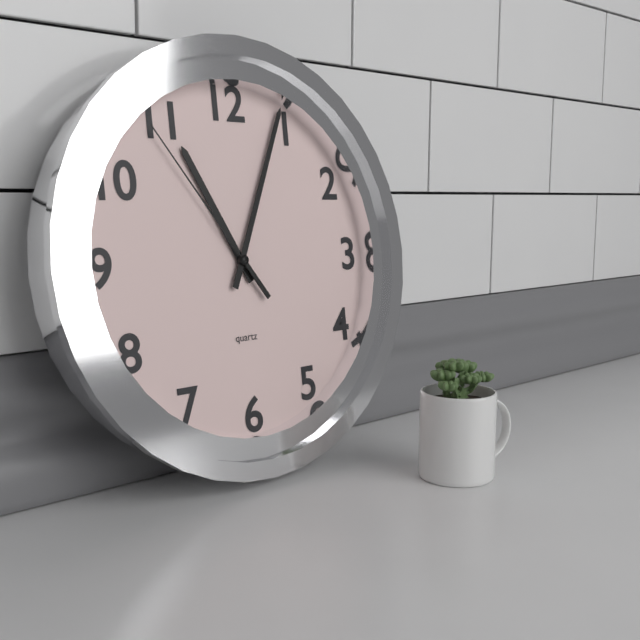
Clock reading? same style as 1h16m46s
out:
11h04m54s
